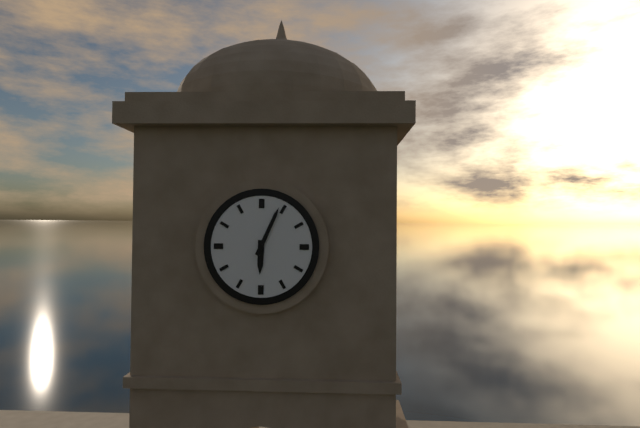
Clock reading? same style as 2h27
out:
6h04
